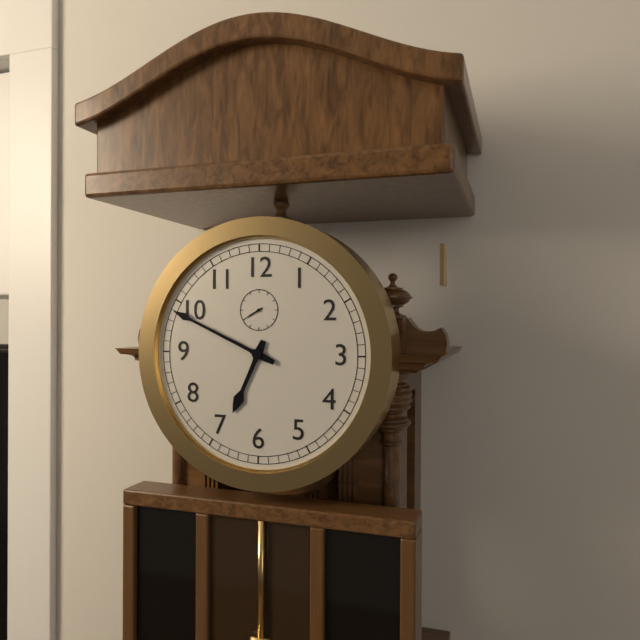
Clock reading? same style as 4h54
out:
6h49
